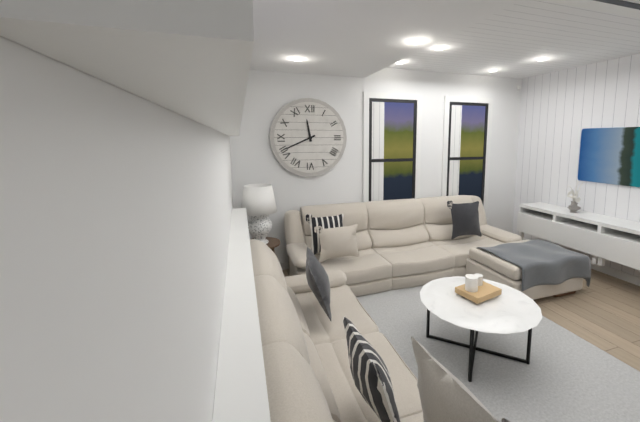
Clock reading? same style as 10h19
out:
11h41
